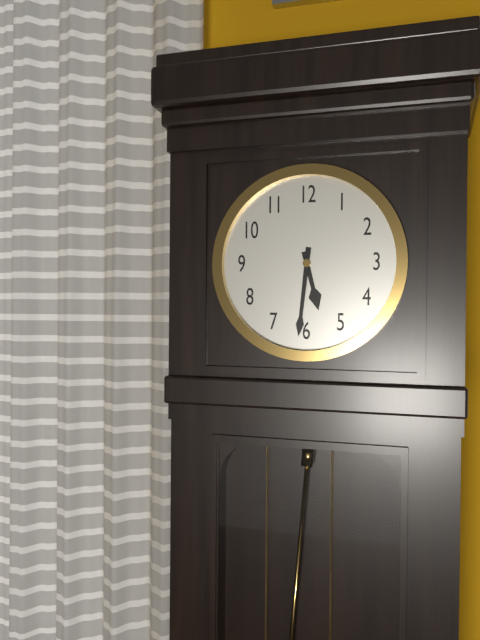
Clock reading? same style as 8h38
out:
5h31
